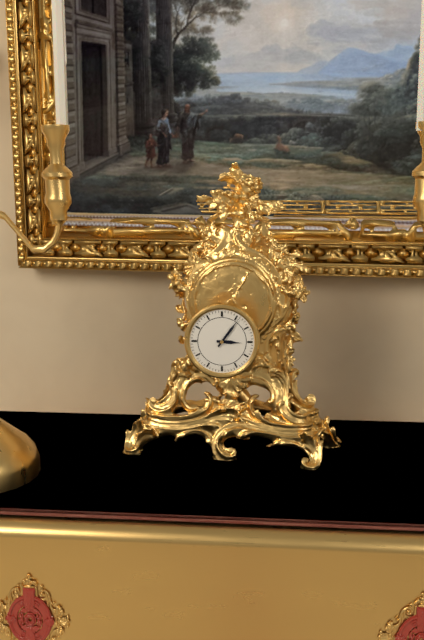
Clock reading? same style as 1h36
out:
3h06
